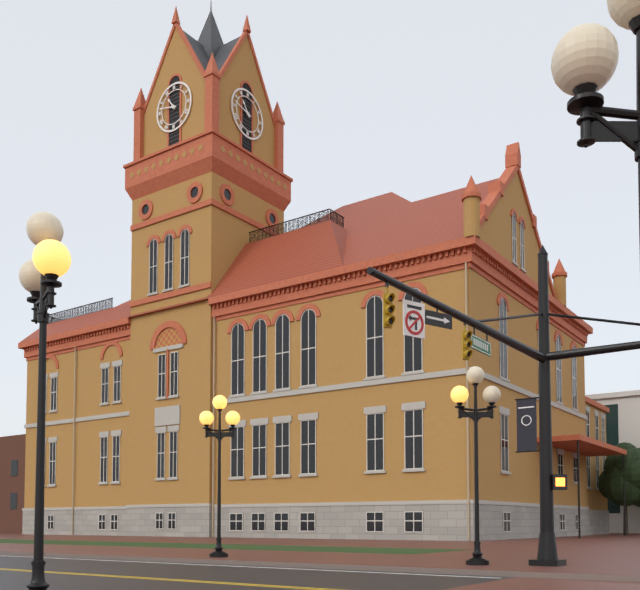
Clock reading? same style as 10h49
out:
10h47
